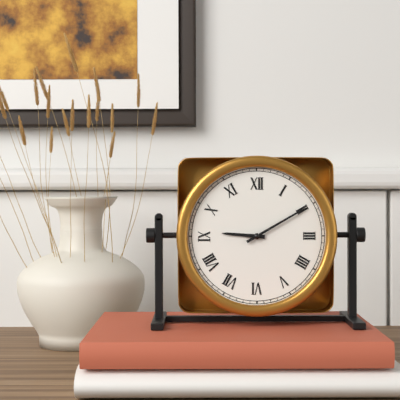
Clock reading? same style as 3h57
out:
9h10
